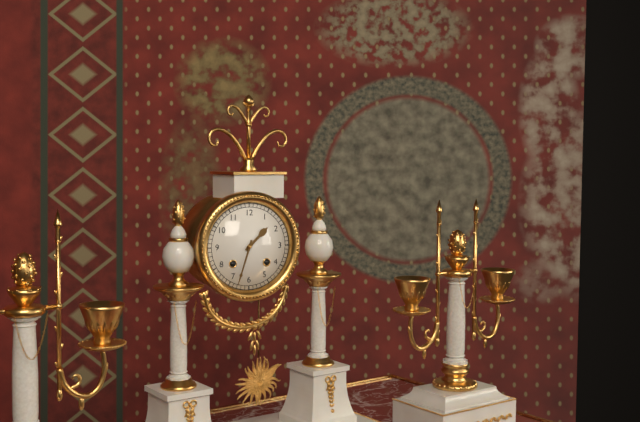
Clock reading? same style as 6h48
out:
1h33
